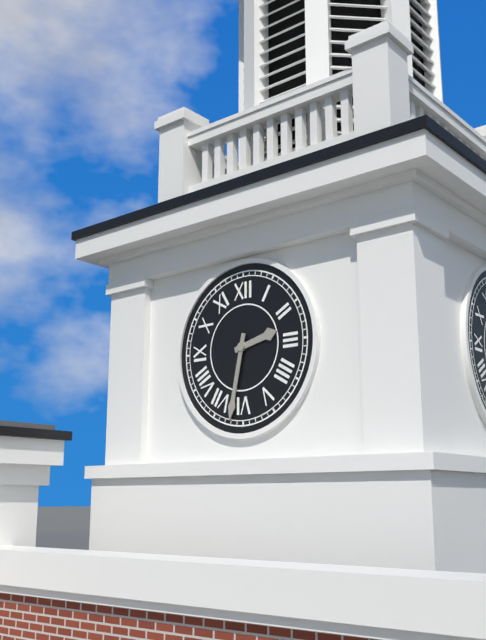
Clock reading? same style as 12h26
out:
2h32
